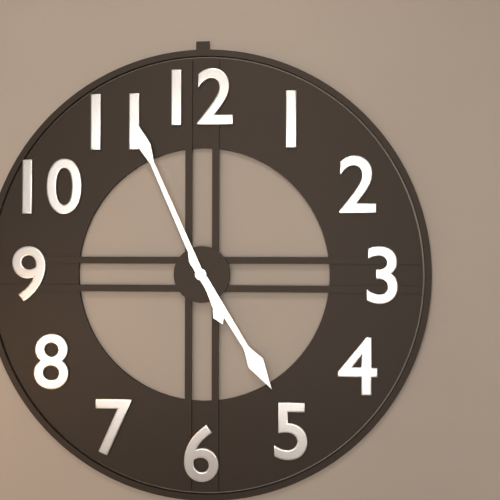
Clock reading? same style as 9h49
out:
4h56
